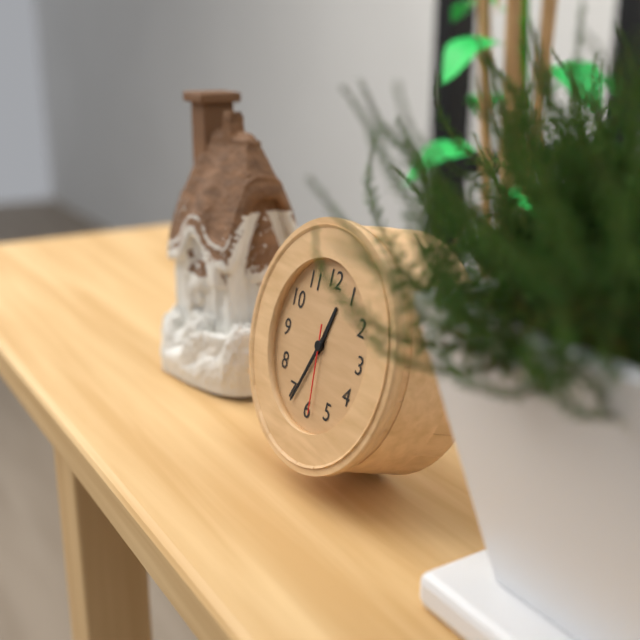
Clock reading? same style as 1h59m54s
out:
12h34m29s
